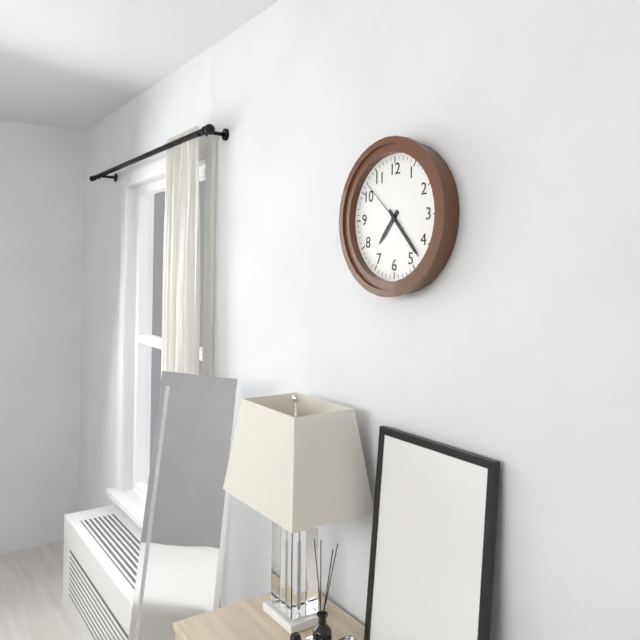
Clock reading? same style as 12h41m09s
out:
7h23m52s
